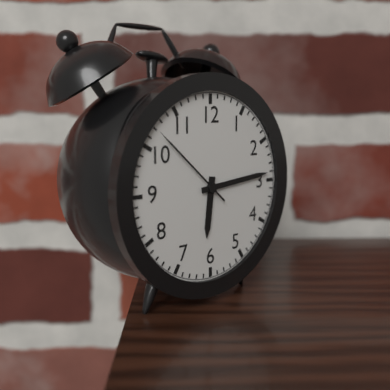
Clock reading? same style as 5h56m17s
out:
6h14m52s
